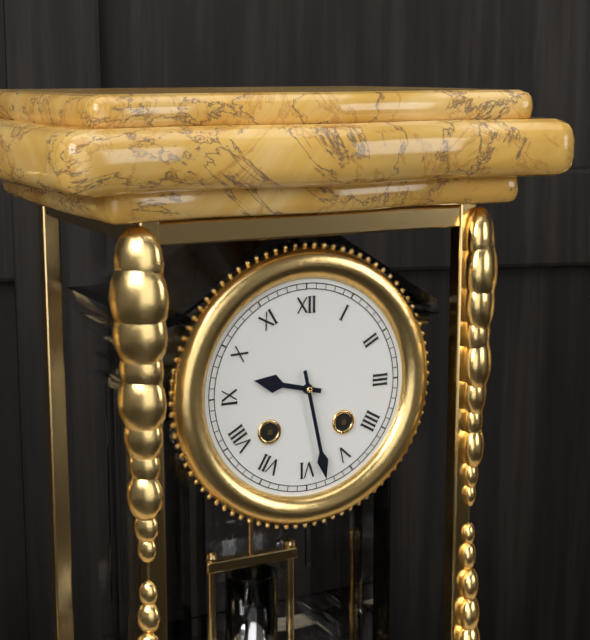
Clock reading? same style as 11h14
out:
9h28
